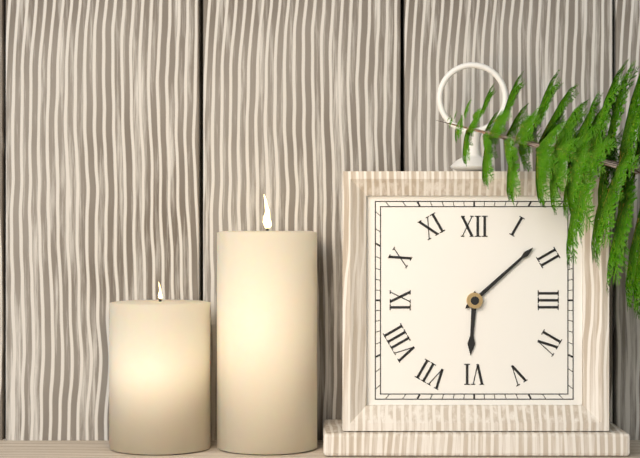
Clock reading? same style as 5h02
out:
6h08
